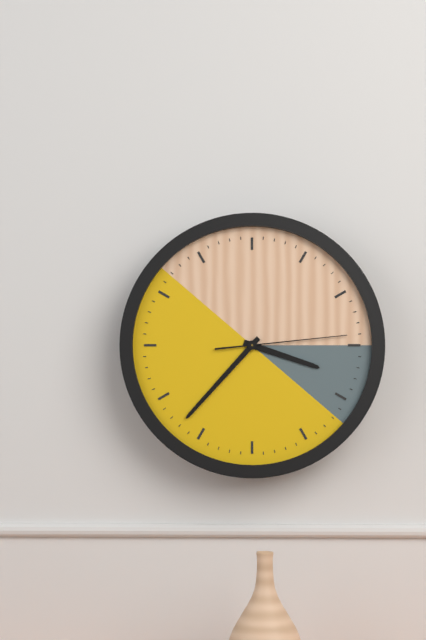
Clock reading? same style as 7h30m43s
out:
3h37m14s
